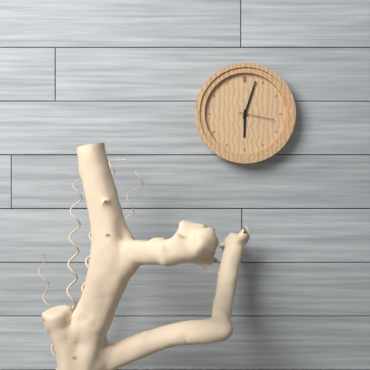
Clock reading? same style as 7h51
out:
6h03
